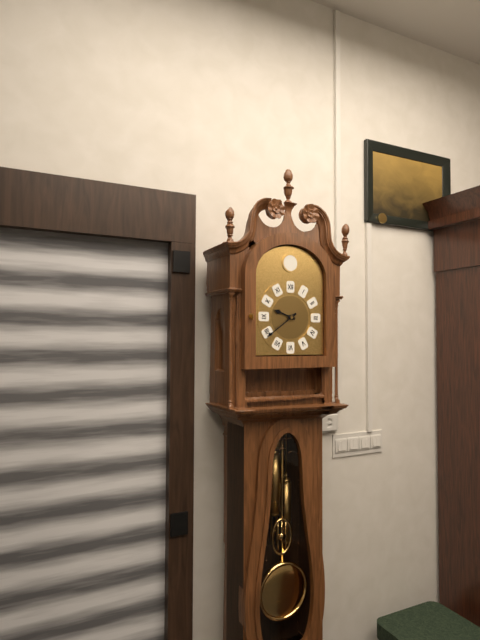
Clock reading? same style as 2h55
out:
9h39
